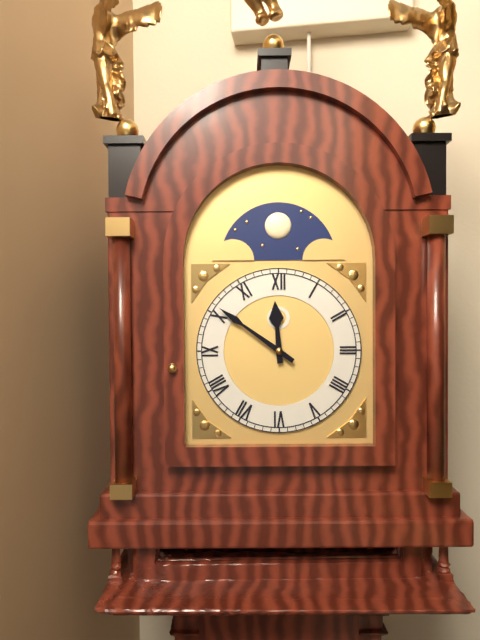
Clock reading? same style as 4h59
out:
11h51
